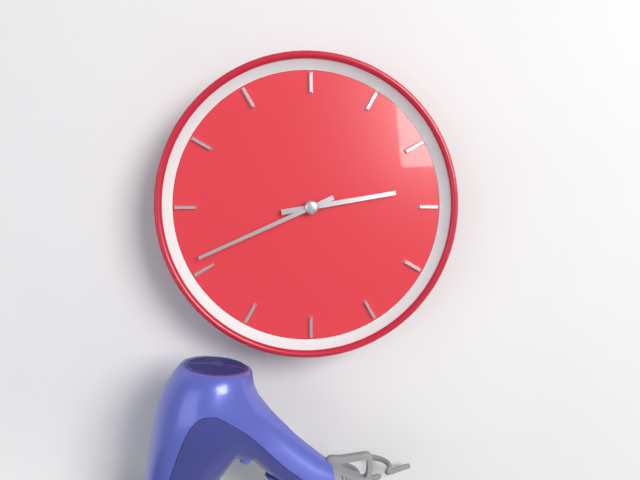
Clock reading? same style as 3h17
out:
2h41
